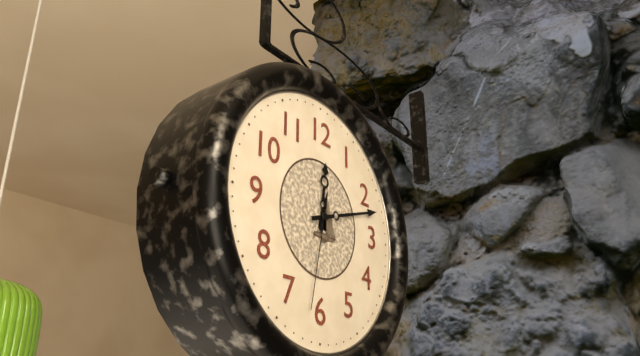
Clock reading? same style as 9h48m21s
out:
12h12m32s
